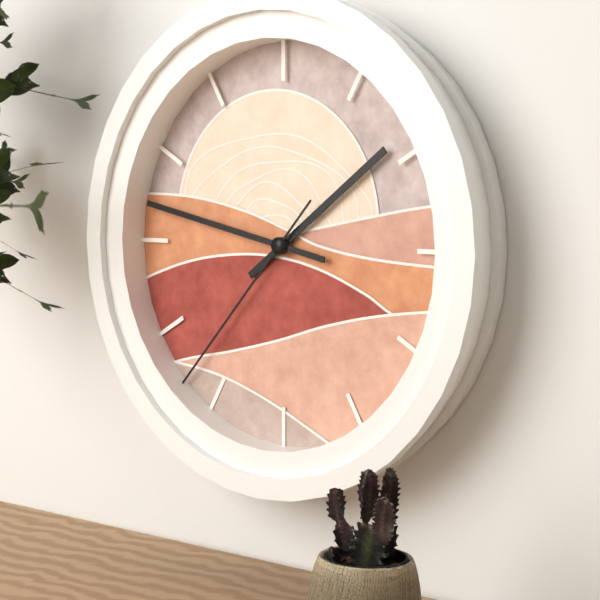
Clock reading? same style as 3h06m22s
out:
1h47m37s
